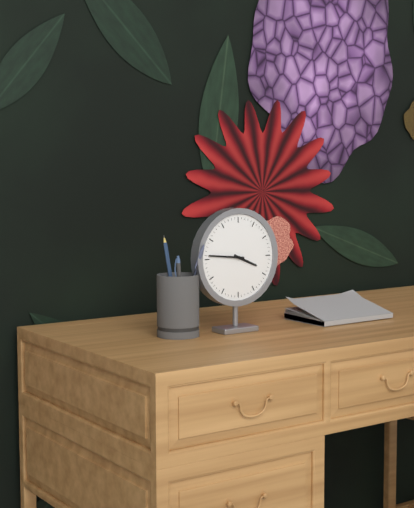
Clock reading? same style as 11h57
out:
3h46
